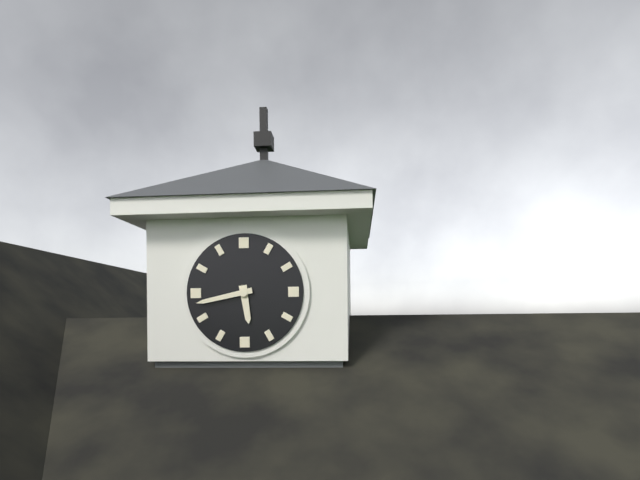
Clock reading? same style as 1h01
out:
5h43
